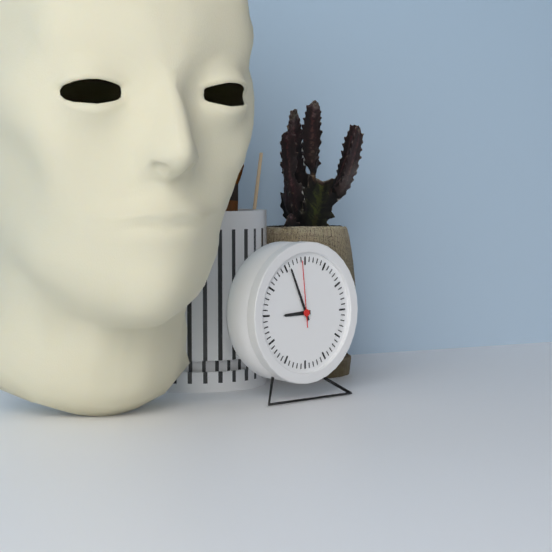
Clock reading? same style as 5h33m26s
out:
8h56m59s
